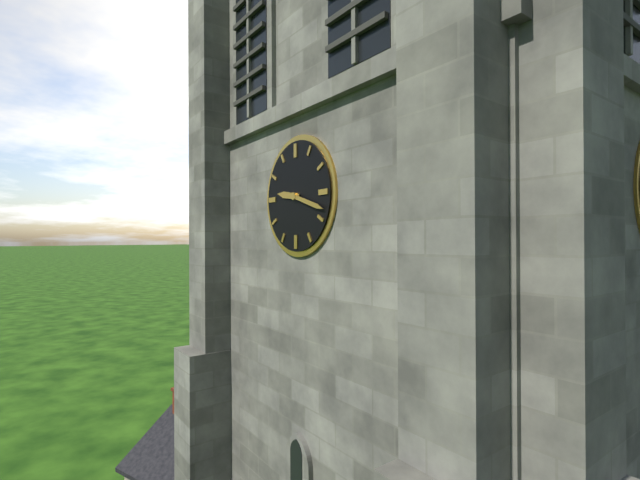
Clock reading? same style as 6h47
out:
9h18
